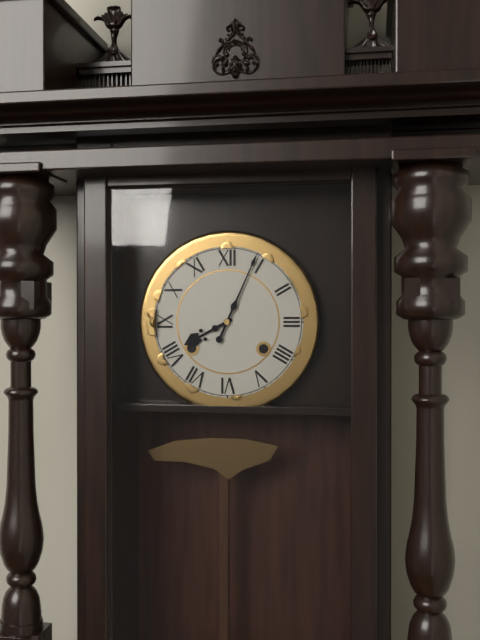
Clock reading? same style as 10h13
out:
8h04
